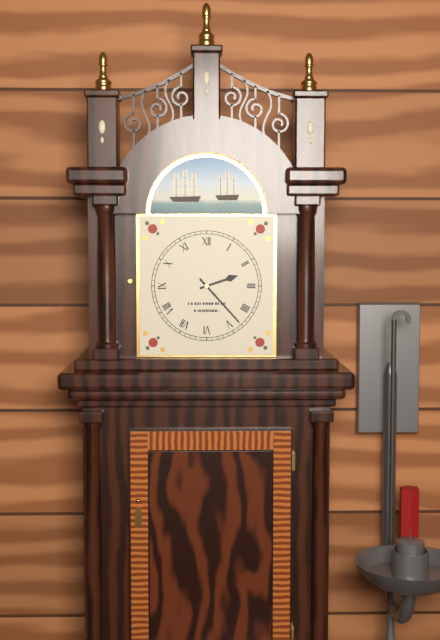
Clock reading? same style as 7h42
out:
2h23
